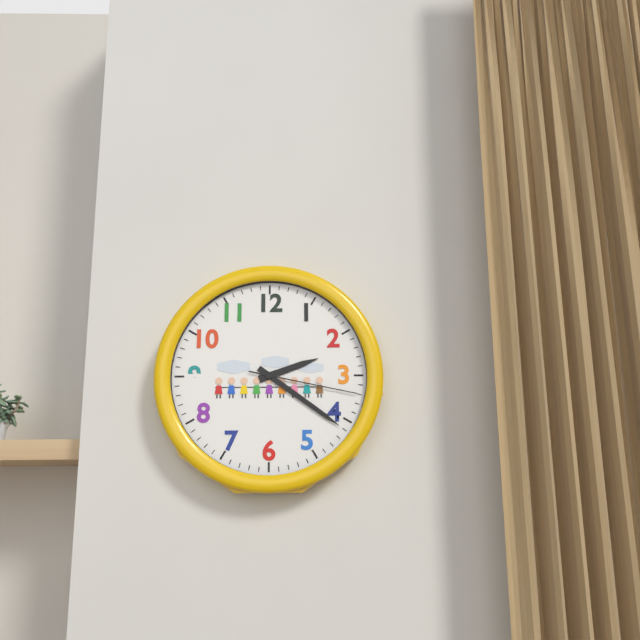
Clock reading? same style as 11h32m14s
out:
2h21m17s
